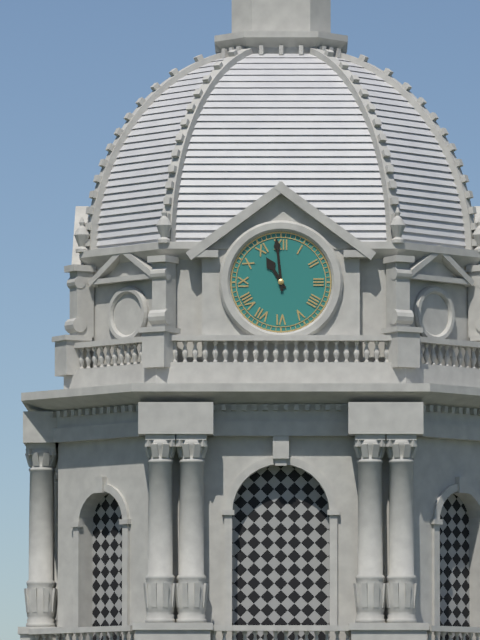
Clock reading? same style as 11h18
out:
10h59
